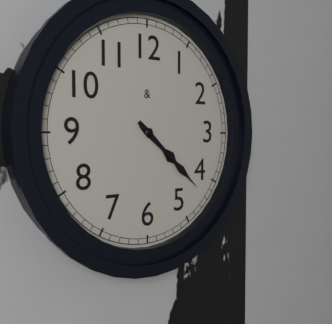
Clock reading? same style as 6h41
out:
4h22
